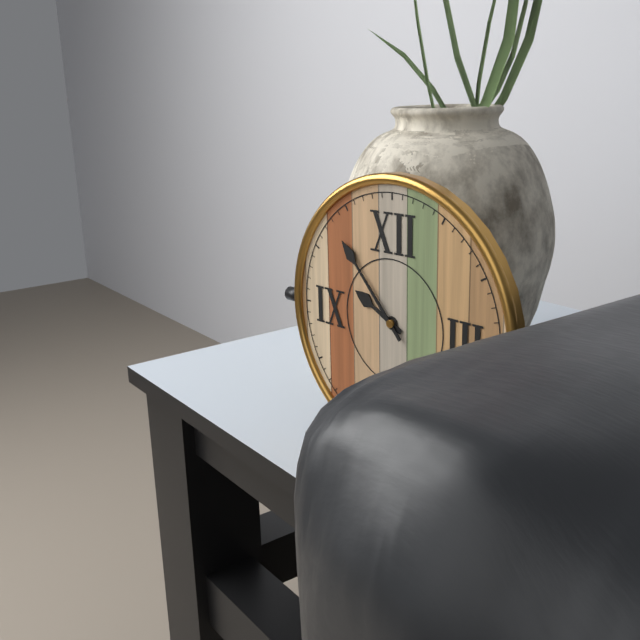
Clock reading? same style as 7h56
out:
9h53
